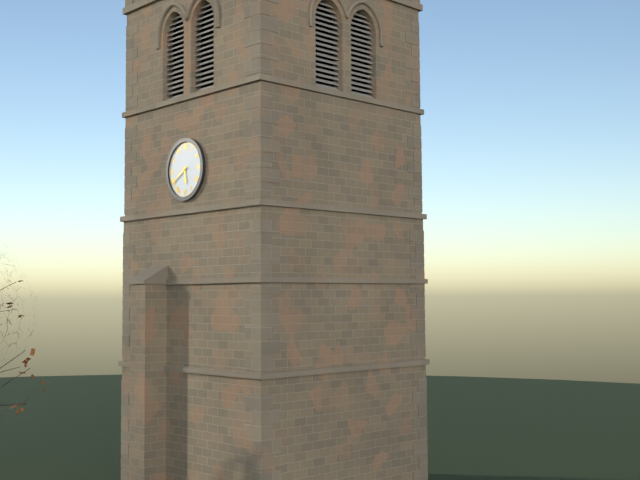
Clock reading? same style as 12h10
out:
5h40
